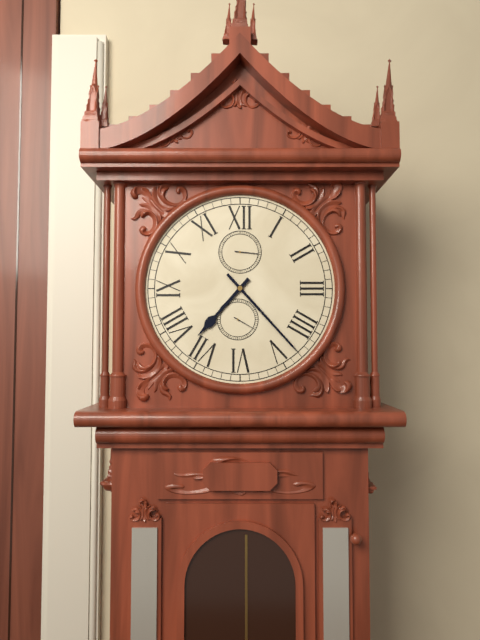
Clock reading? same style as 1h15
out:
7h23
